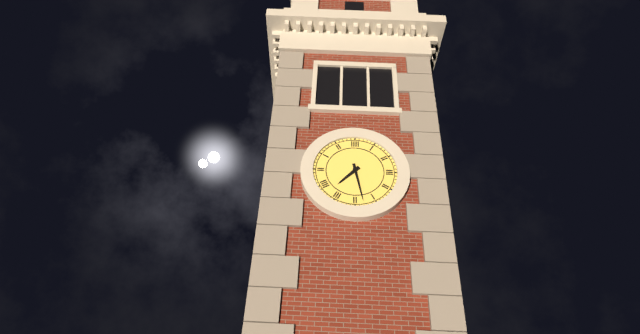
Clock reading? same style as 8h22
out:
7h28
